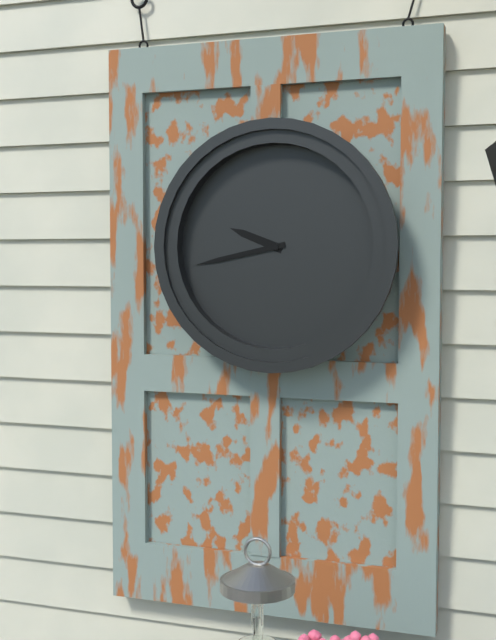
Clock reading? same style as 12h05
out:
9h43
